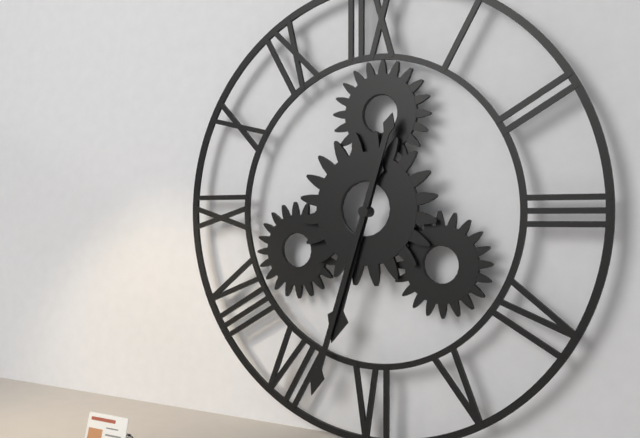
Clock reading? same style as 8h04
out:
6h33
